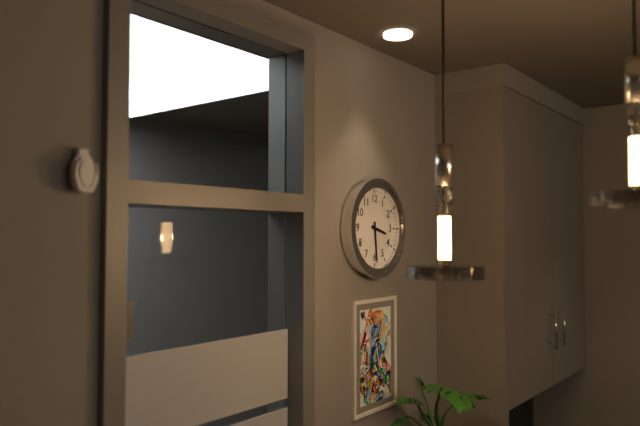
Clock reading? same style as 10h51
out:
3h29
